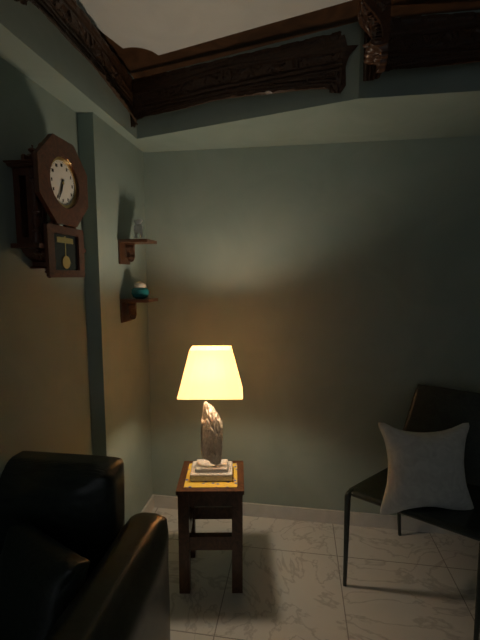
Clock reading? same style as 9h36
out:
6h34
